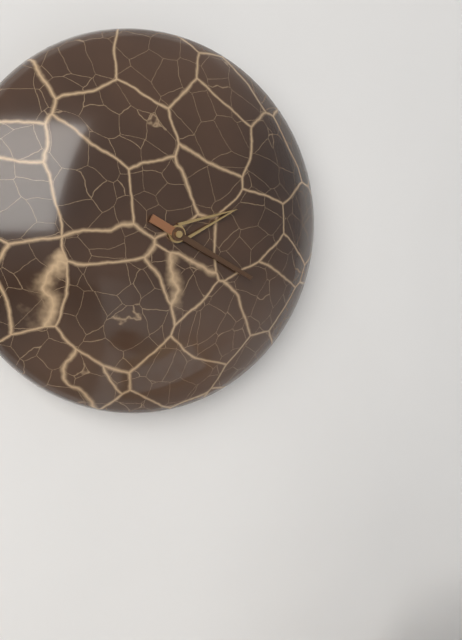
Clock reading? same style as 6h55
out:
2h20
